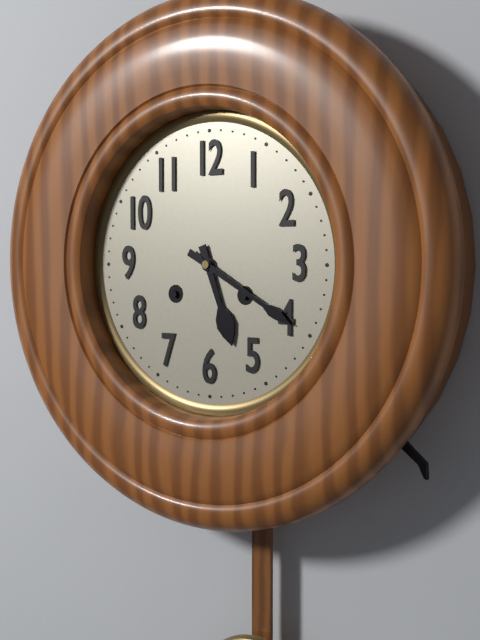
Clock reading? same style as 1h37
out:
5h20
